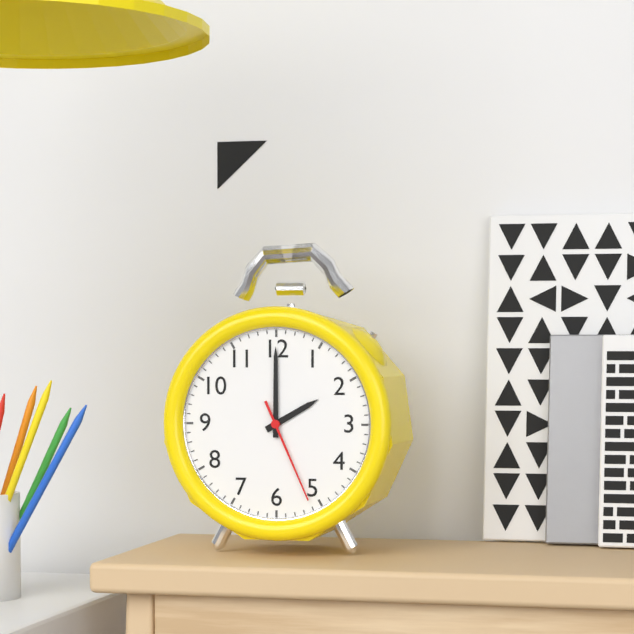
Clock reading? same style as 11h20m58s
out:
2h00m26s
